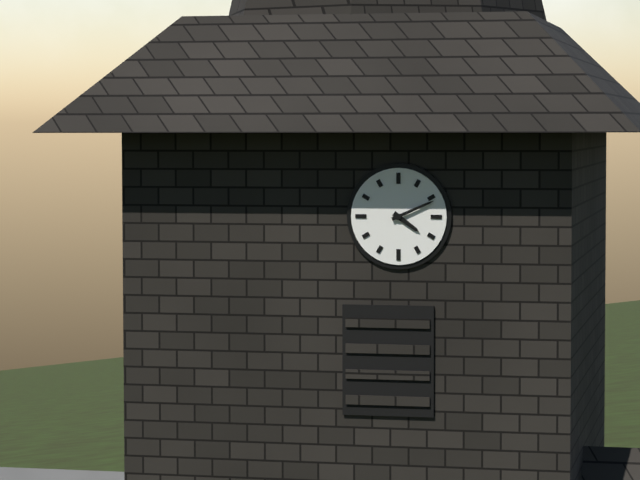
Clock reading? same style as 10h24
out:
4h11
